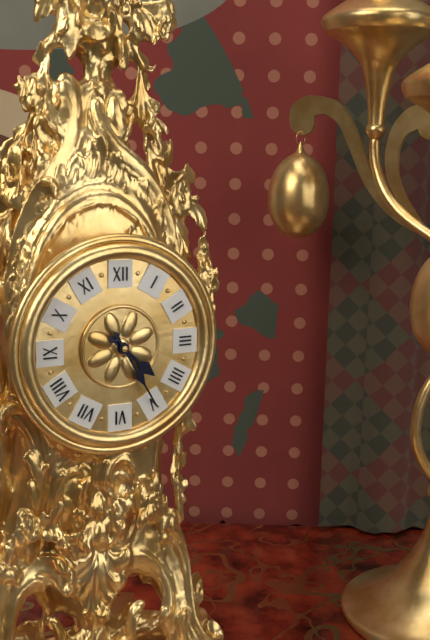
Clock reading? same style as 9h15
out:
4h25
